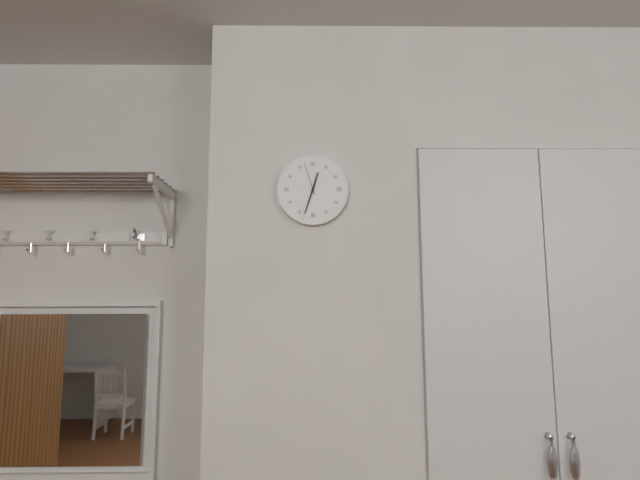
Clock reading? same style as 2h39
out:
12h33
